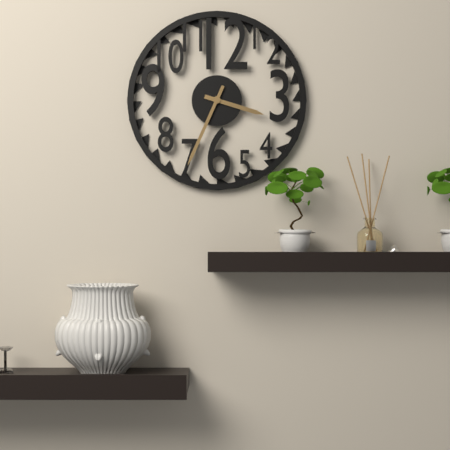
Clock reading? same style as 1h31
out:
3h34
